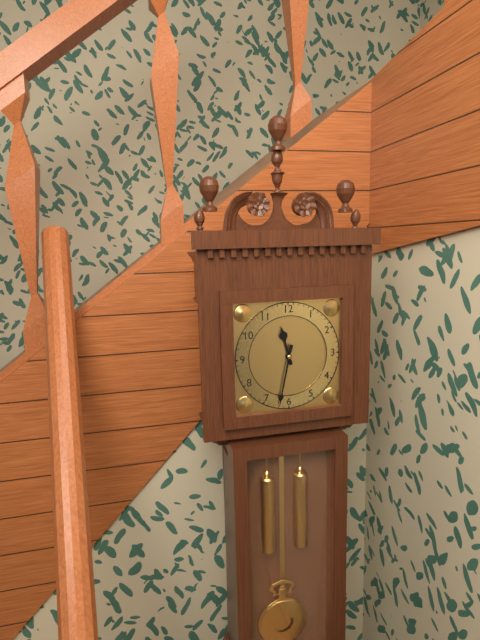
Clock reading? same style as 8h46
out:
11h32
